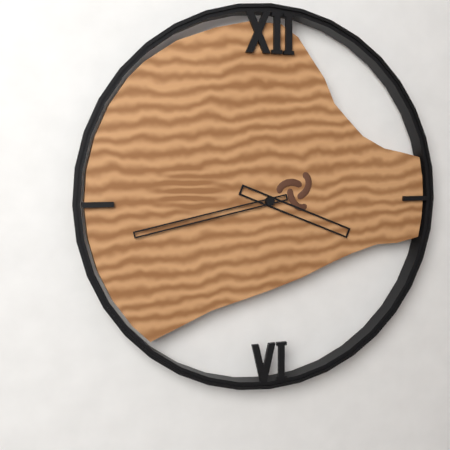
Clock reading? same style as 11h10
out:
3h43
